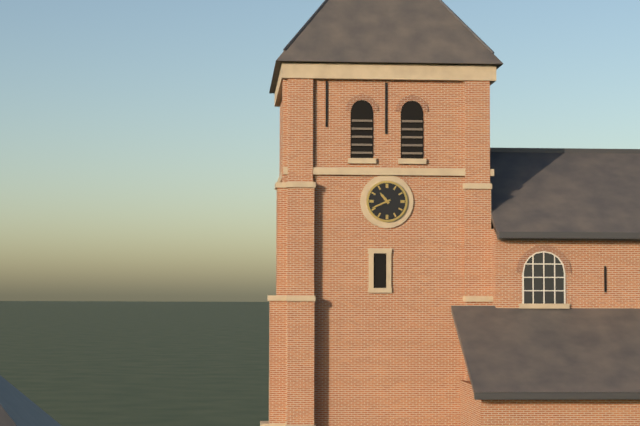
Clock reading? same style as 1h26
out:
10h41
